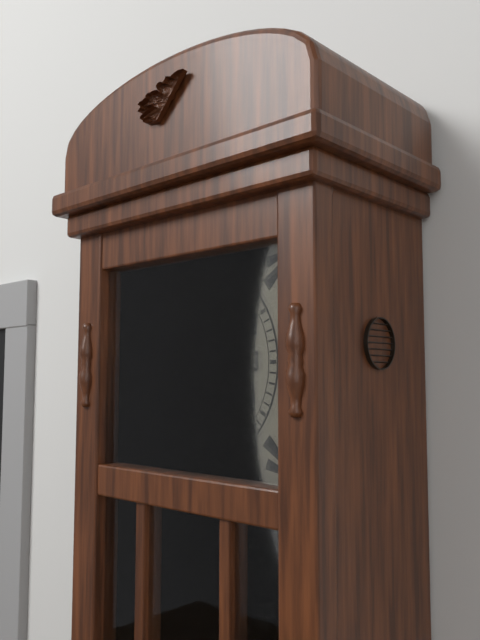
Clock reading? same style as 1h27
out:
1h38
